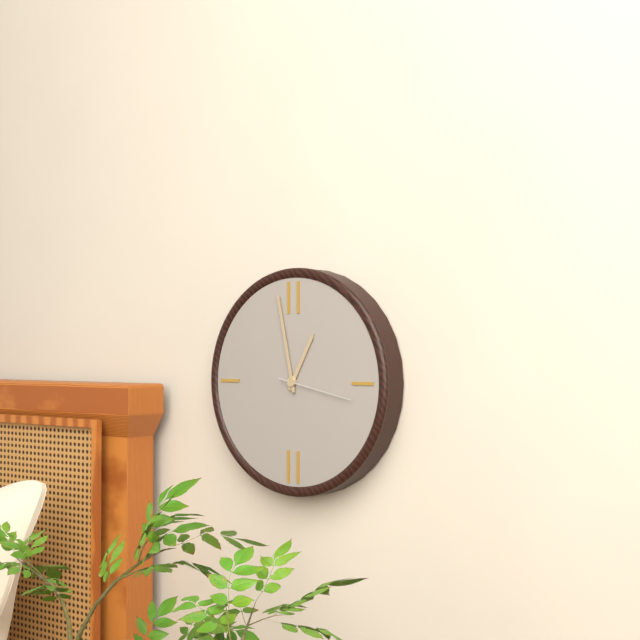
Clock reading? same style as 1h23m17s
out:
12h58m17s
